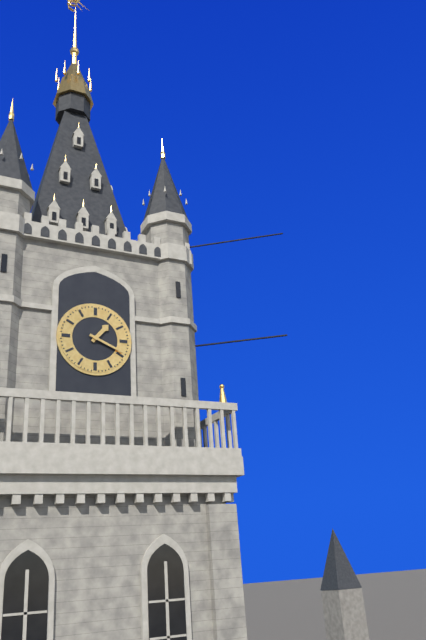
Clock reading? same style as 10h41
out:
1h19
